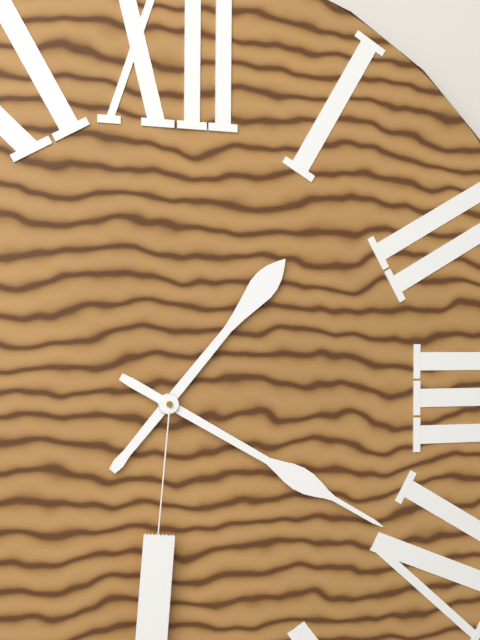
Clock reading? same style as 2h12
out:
1h20
